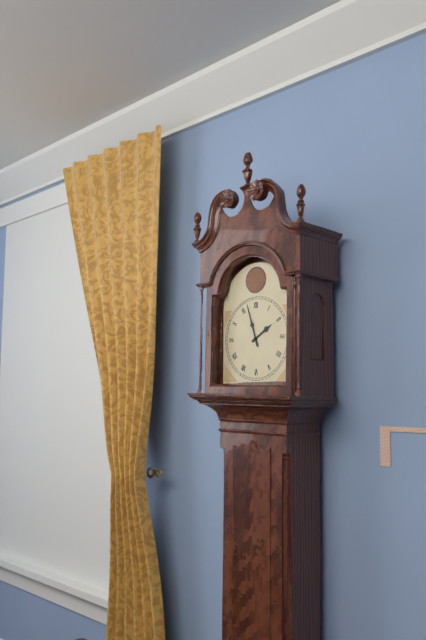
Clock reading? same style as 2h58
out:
1h57
